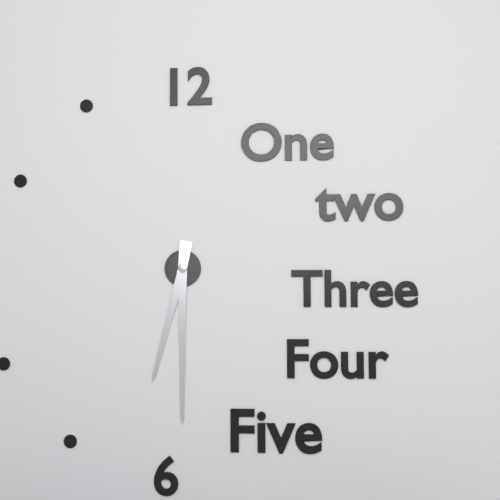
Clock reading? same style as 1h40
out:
6h30
